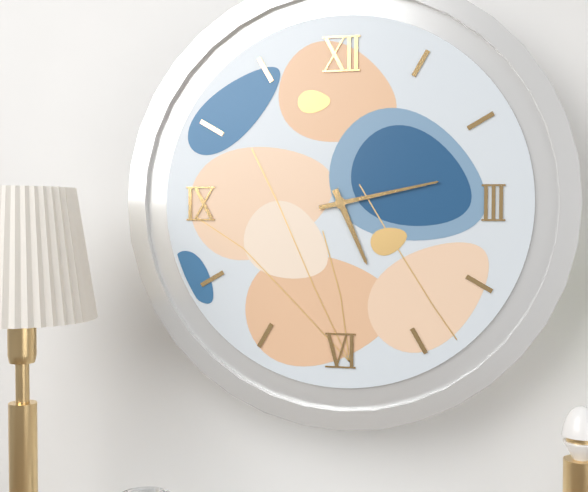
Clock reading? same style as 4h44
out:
5h13
